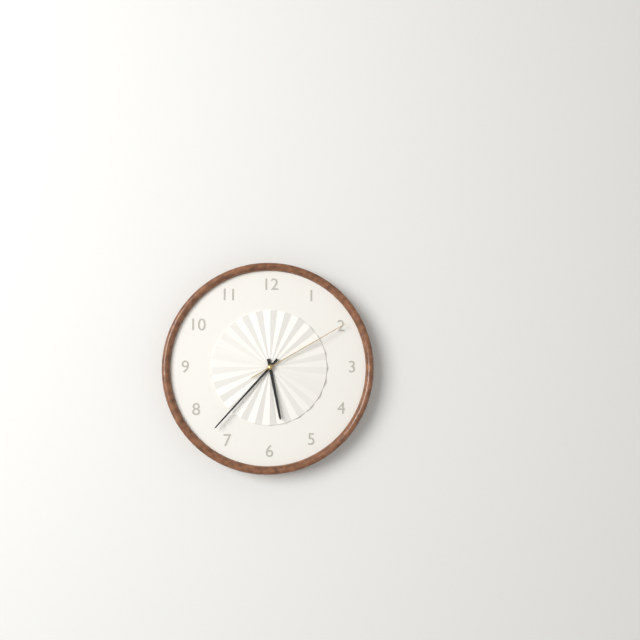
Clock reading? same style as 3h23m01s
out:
5h37m10s
